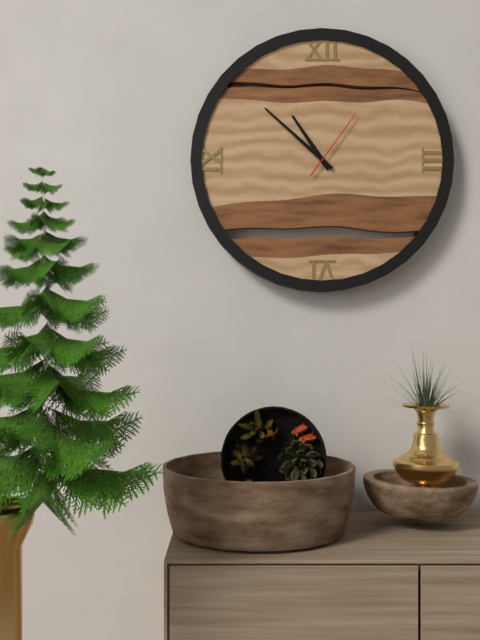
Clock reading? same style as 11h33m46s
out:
10h52m06s
